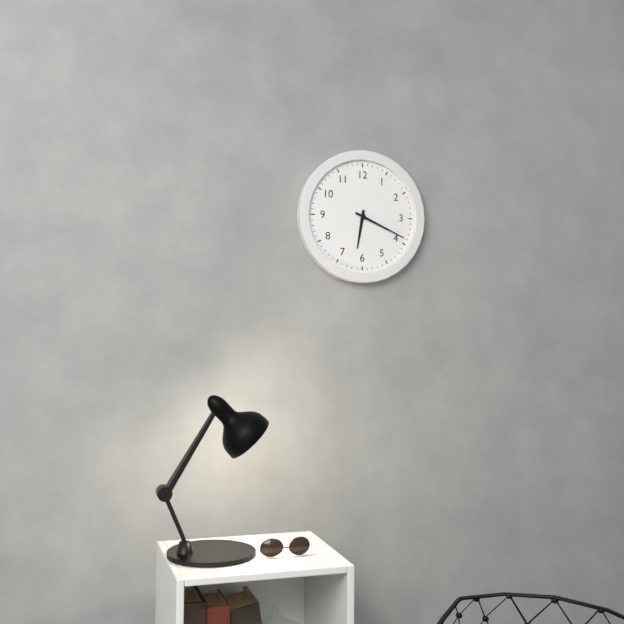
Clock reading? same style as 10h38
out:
6h19
